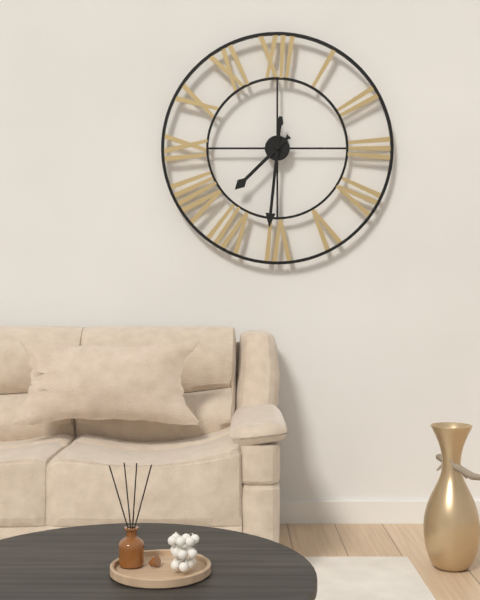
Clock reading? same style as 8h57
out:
7h31
